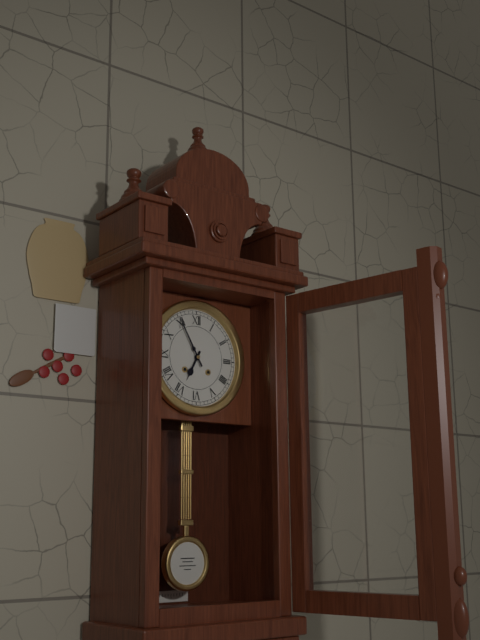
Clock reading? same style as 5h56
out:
6h55
